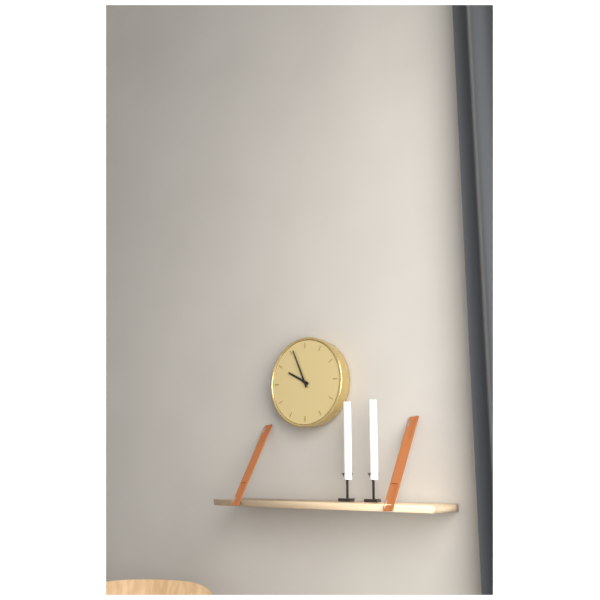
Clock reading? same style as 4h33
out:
9h56
